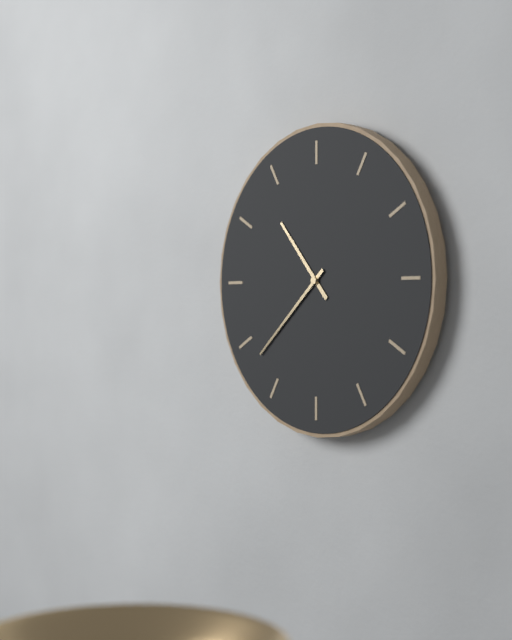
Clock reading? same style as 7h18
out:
10h38
